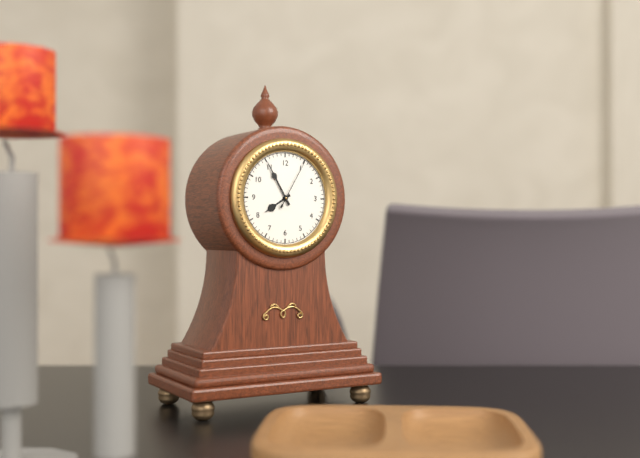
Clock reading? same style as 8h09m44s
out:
7h55m05s
